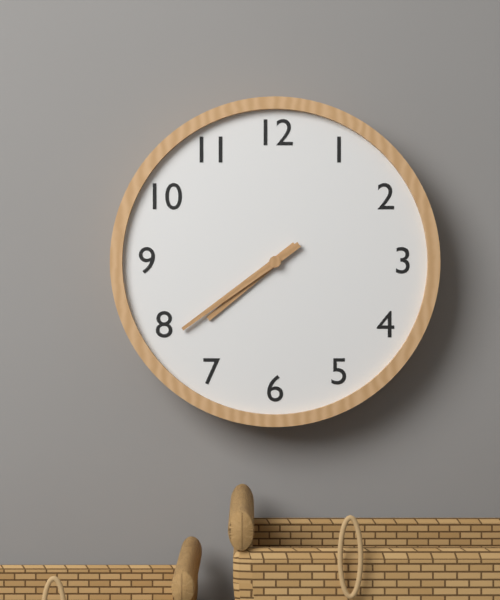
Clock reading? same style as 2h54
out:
7h39
